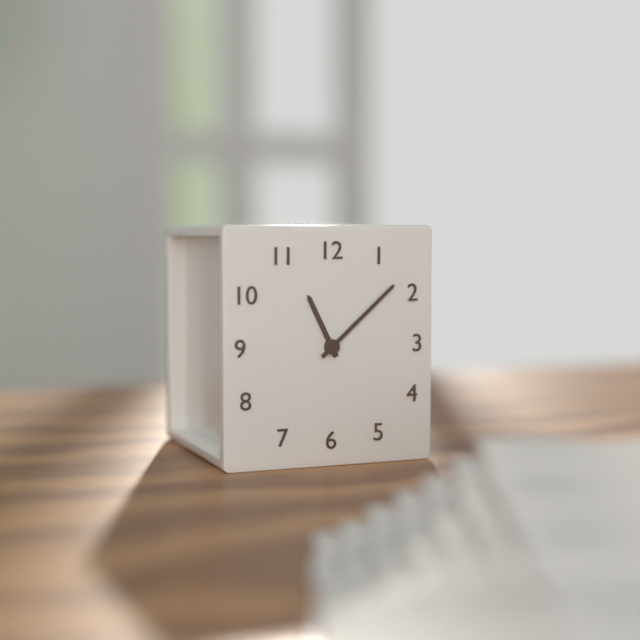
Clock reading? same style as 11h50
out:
11h08
